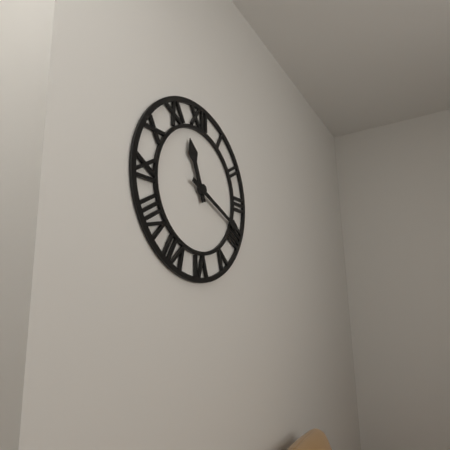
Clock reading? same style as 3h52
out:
11h19
